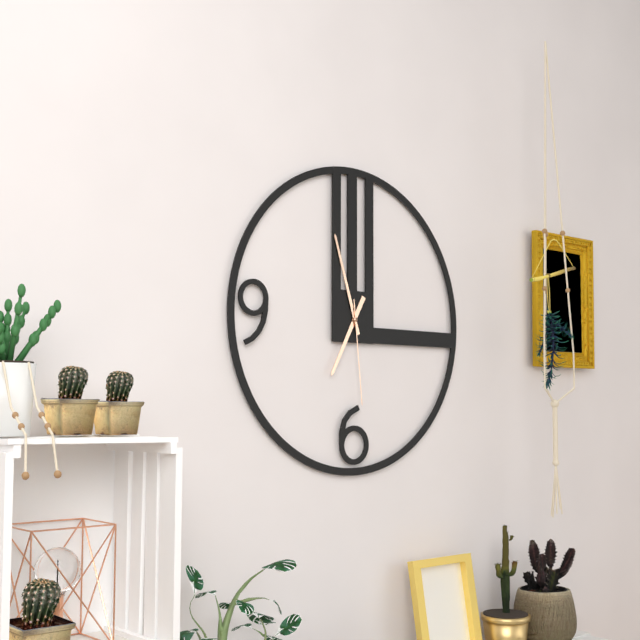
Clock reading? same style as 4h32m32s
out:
6h57m29s
